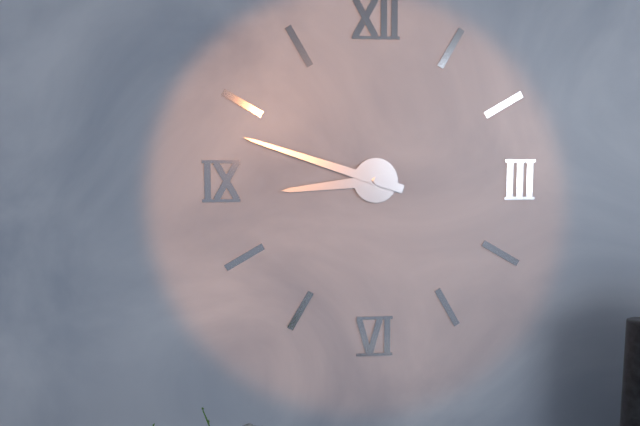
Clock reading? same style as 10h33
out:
8h48
